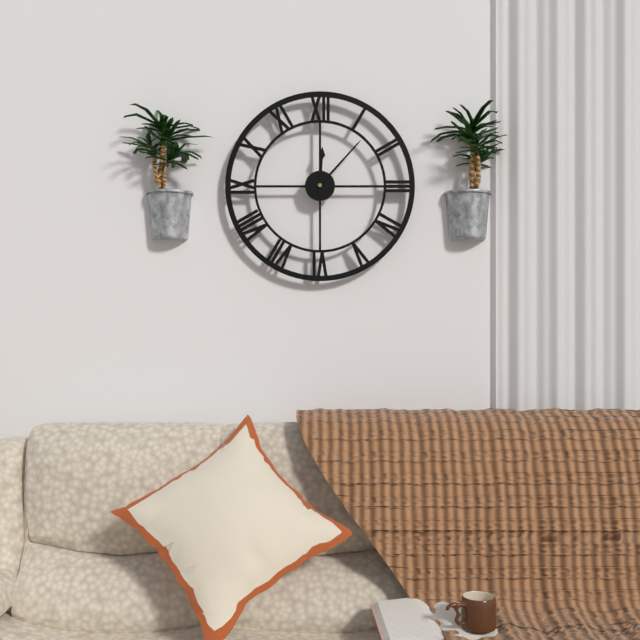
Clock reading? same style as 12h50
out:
12h07
